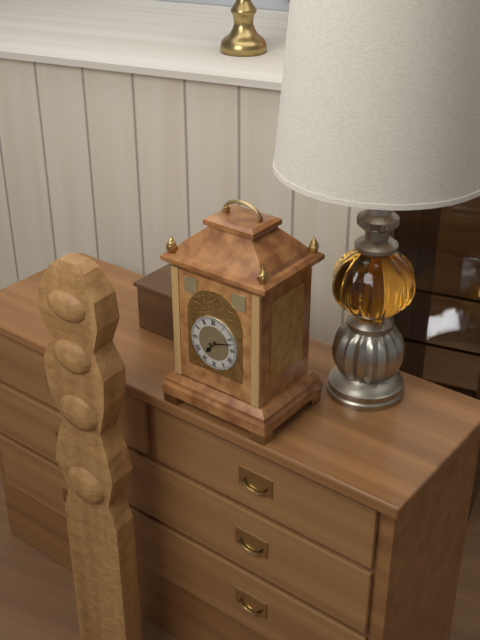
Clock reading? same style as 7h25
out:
7h12
